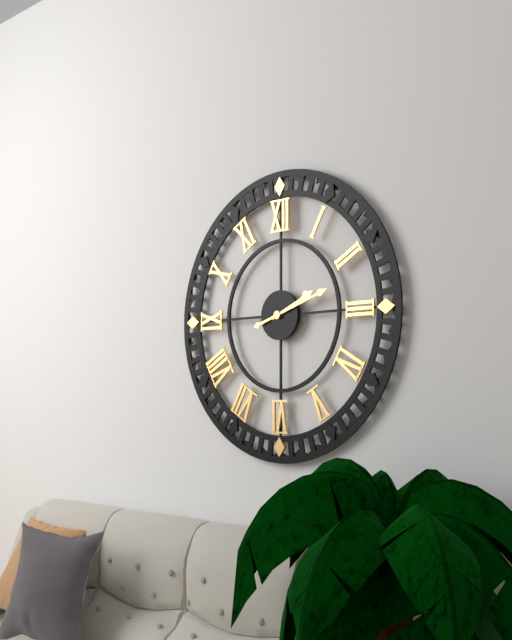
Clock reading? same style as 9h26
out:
2h12
